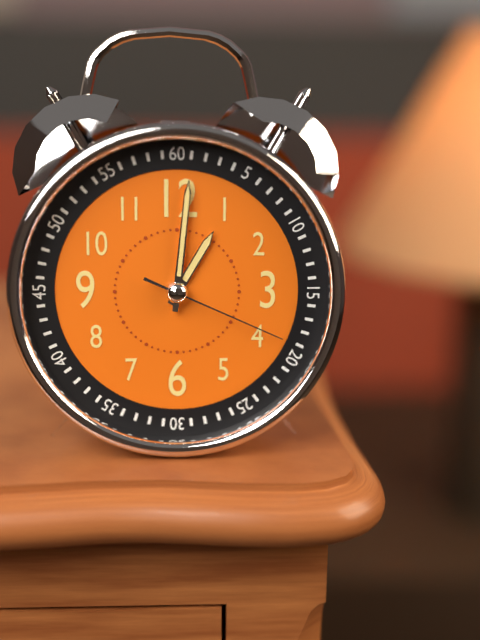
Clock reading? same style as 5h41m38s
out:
1h01m19s
